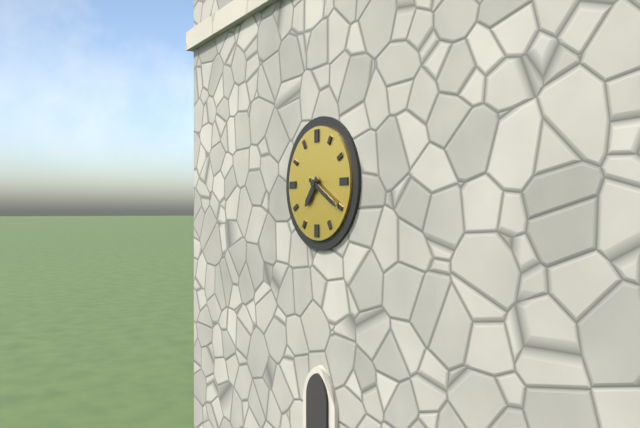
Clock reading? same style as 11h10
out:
7h20
